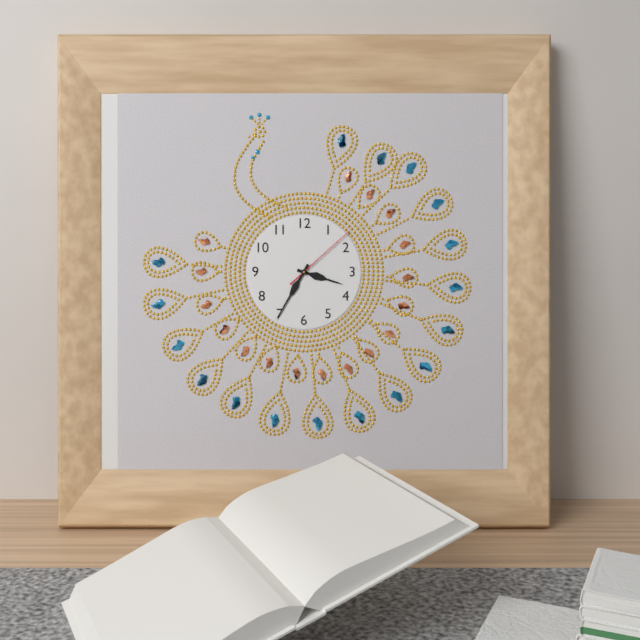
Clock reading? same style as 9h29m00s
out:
3h35m08s
